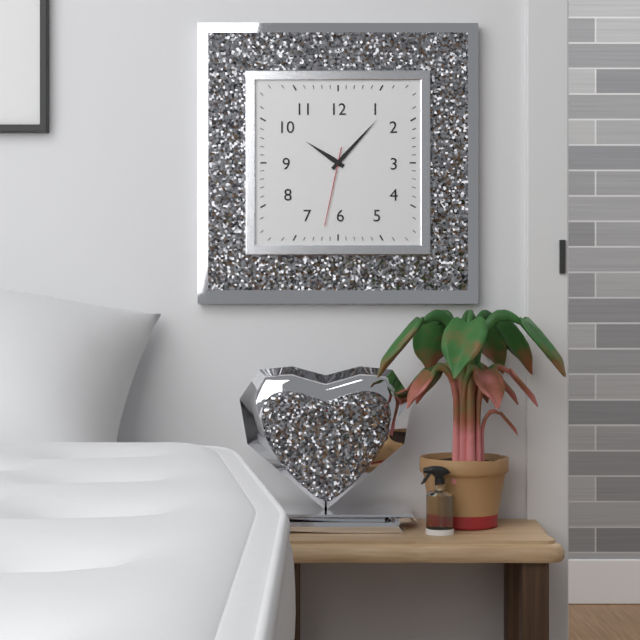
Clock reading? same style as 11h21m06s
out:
10h07m32s
